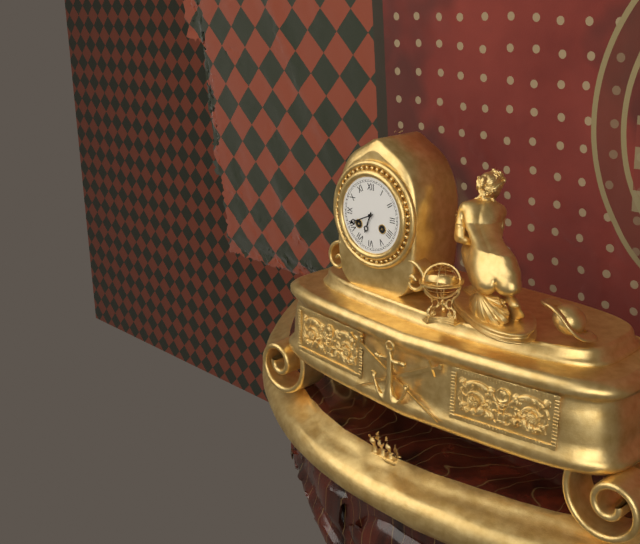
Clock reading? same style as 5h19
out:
6h41
